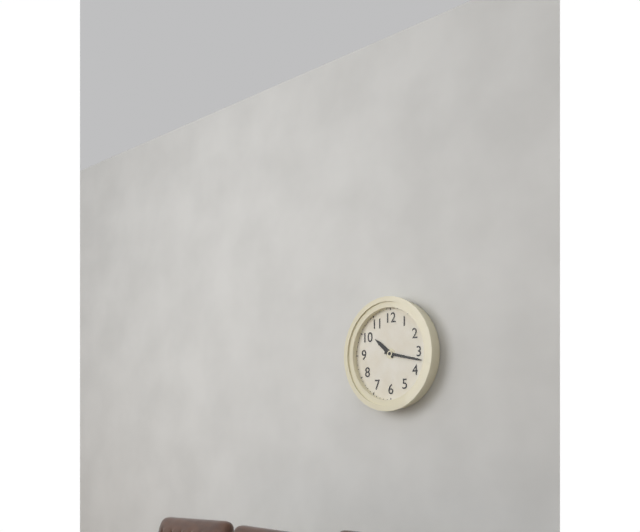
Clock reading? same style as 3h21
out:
10h17
